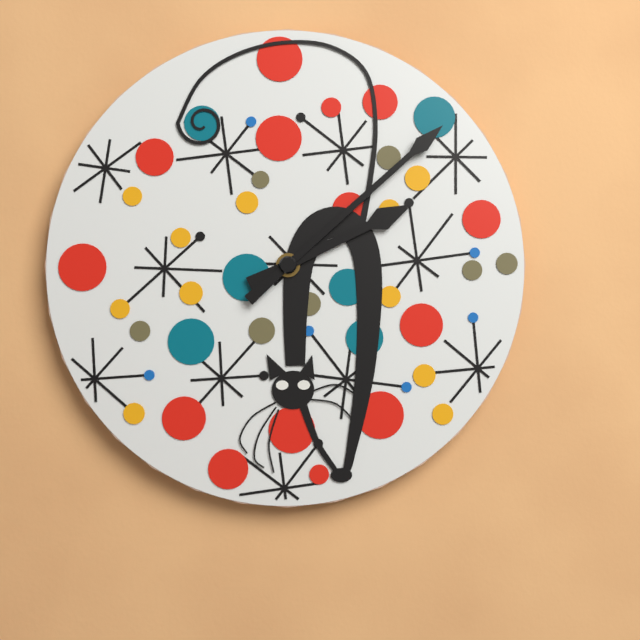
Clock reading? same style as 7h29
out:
2h08
